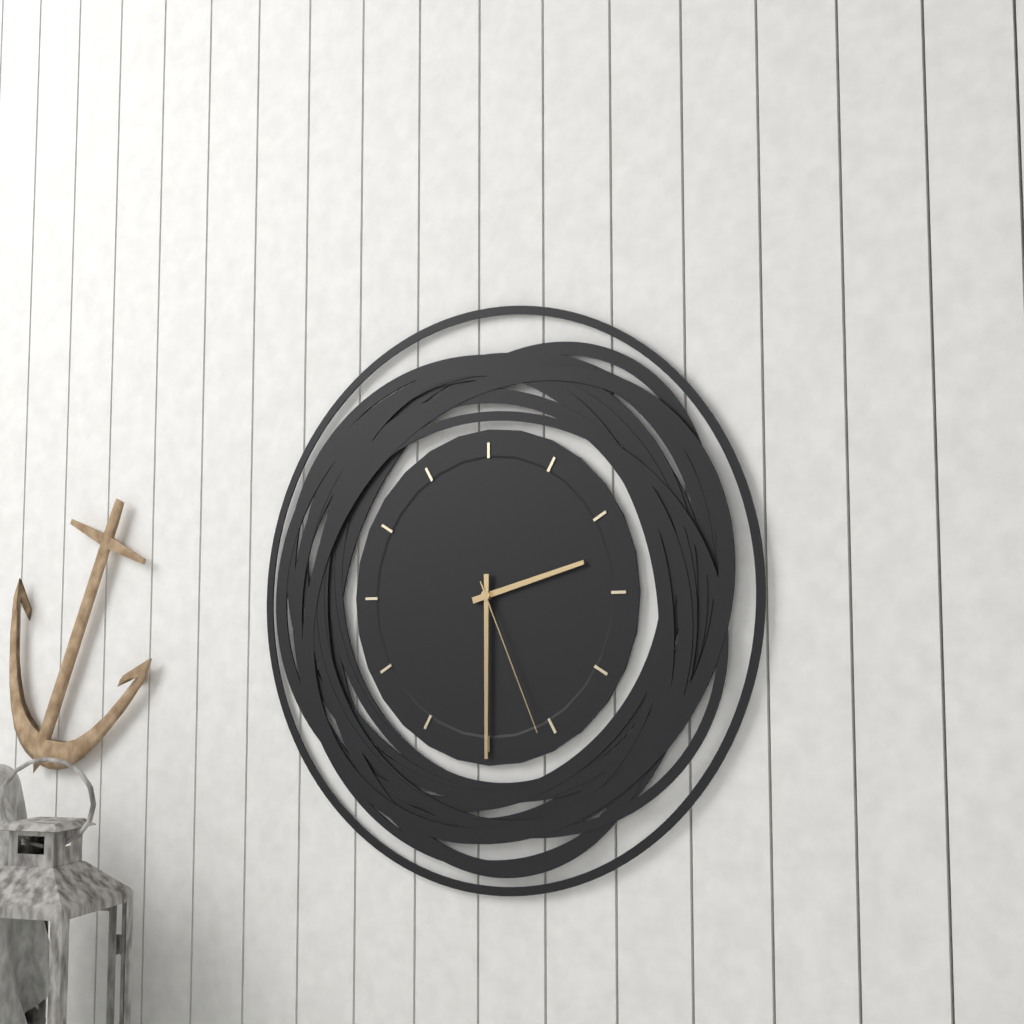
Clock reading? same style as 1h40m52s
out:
2h30m26s
